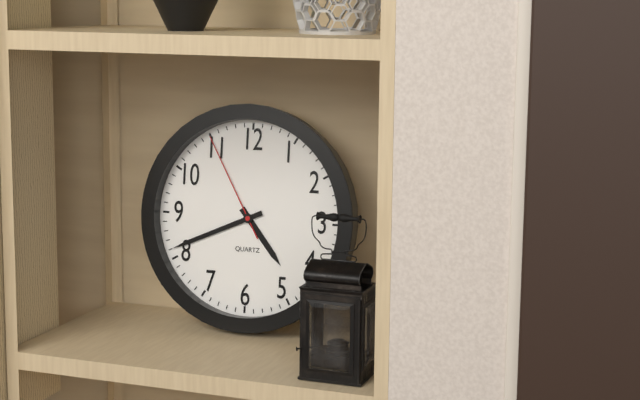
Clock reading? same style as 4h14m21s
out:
4h41m55s
